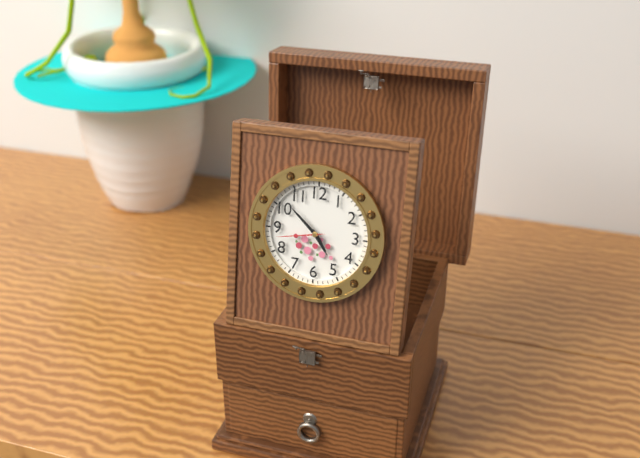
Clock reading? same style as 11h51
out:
4h52
